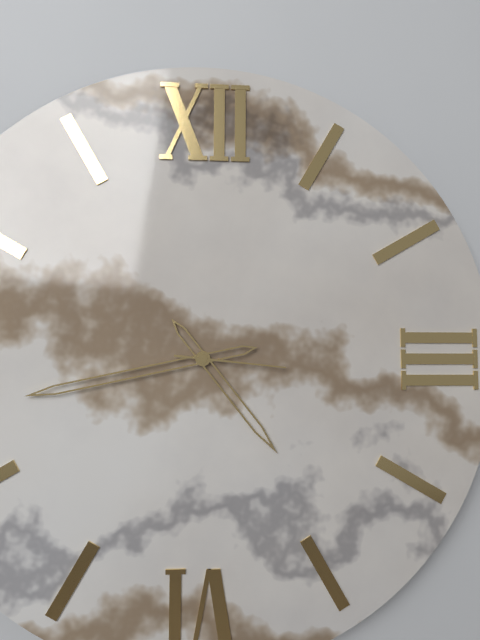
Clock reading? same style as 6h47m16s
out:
4h43m16s
